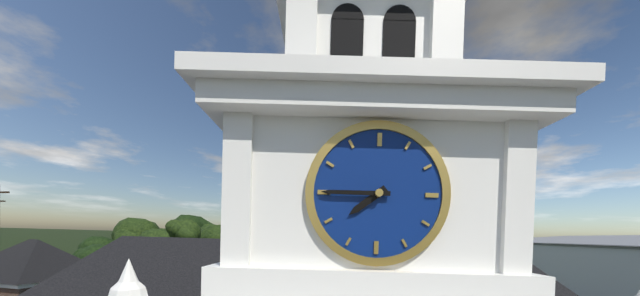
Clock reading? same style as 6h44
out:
7h45
